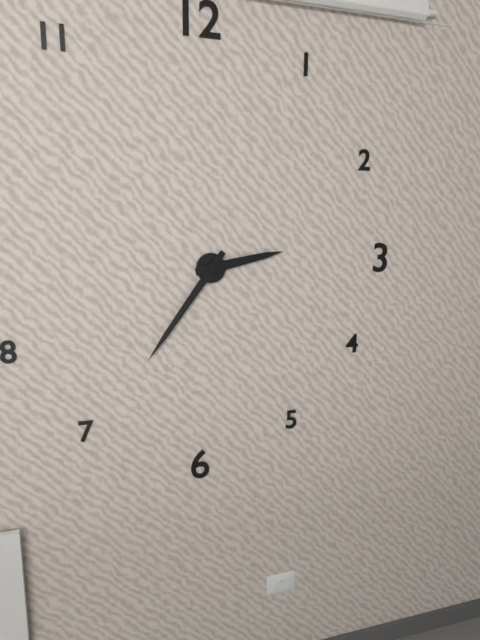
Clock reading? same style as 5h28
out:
2h36
